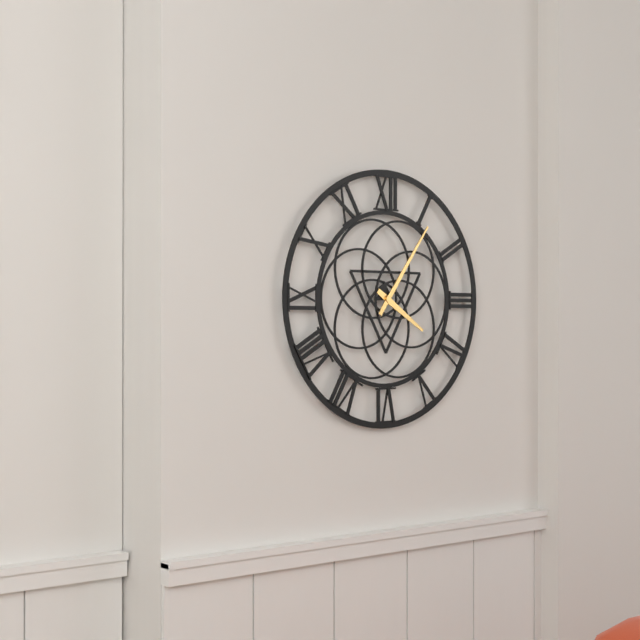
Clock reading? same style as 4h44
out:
4h06
